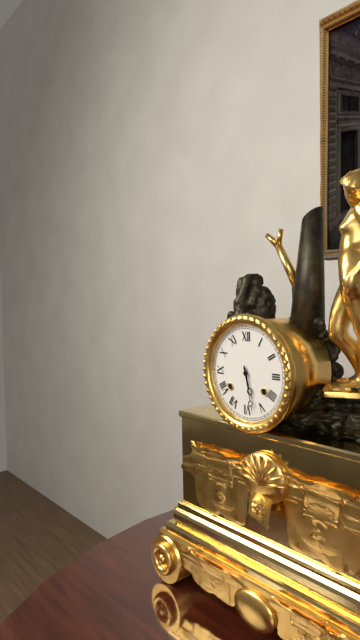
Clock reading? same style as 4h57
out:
5h28
